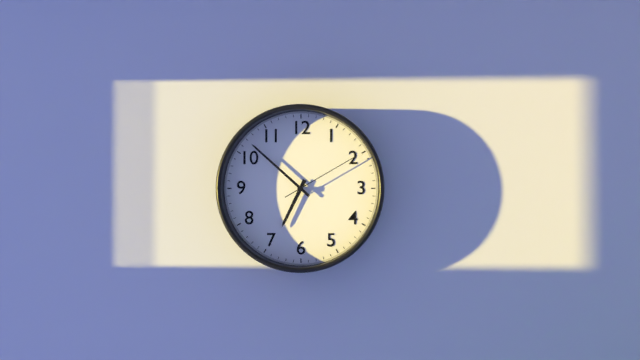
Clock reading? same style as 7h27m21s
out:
6h52m10s
